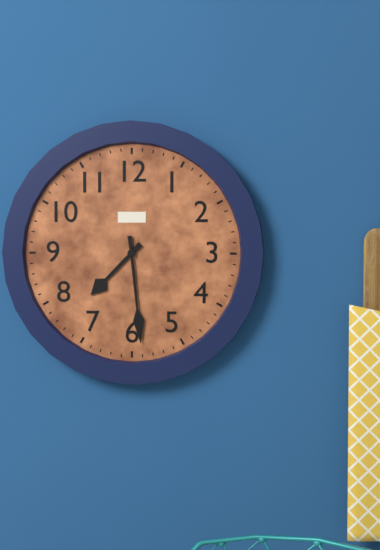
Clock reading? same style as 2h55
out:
7h29
